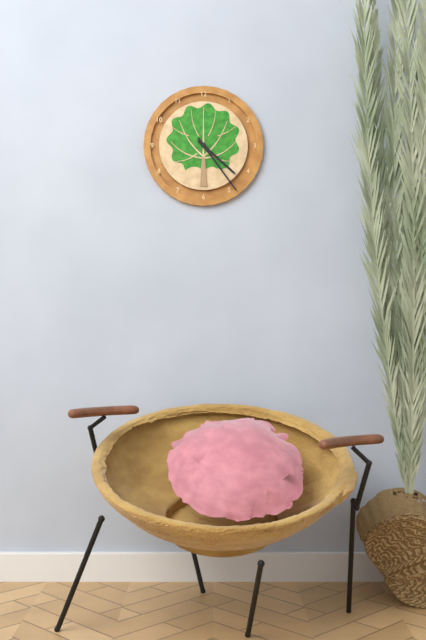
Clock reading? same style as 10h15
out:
4h24
